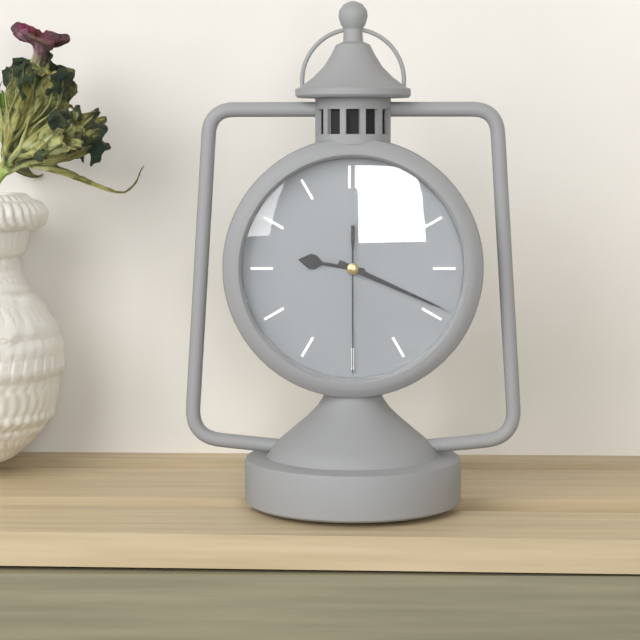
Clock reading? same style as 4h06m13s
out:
9h19m30s
